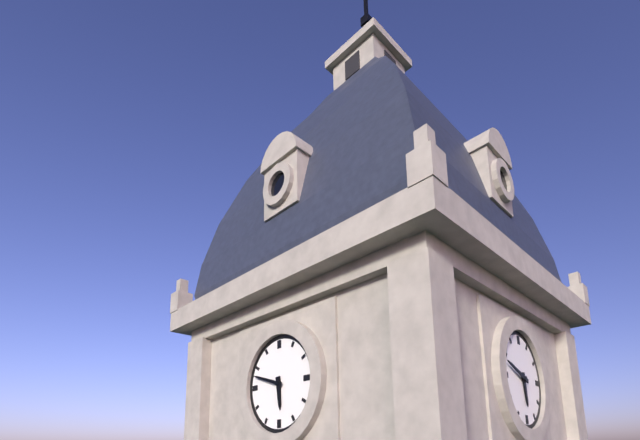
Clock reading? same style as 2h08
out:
5h48
